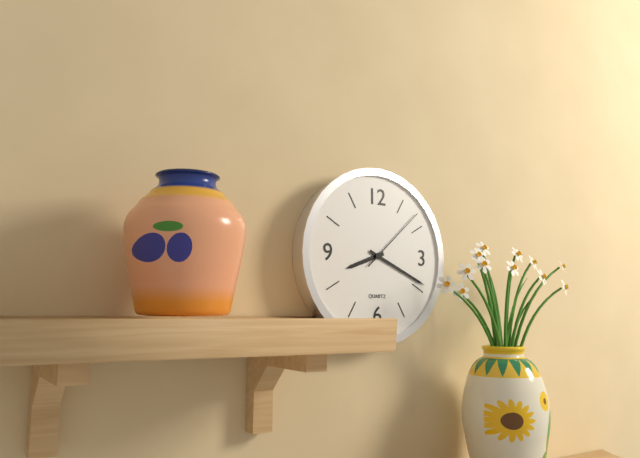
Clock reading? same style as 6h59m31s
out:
8h19m08s
